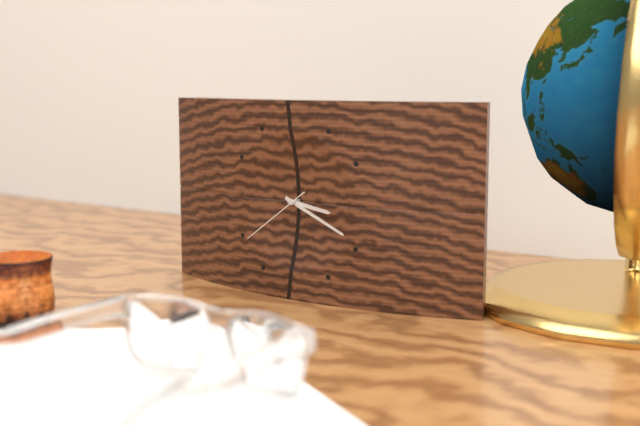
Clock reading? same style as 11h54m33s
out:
3h19m39s
